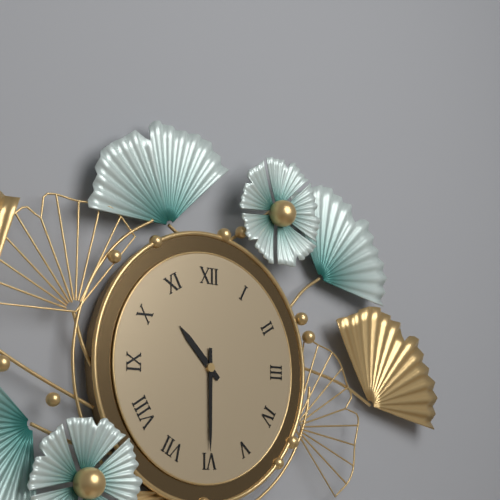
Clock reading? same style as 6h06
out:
10h30
